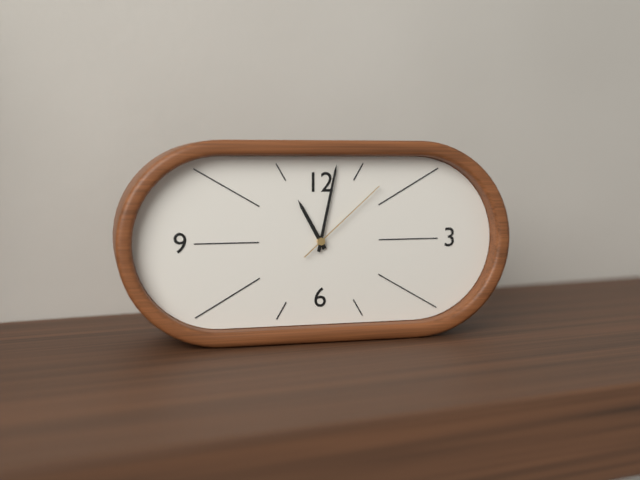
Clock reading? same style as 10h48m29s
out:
11h02m08s
